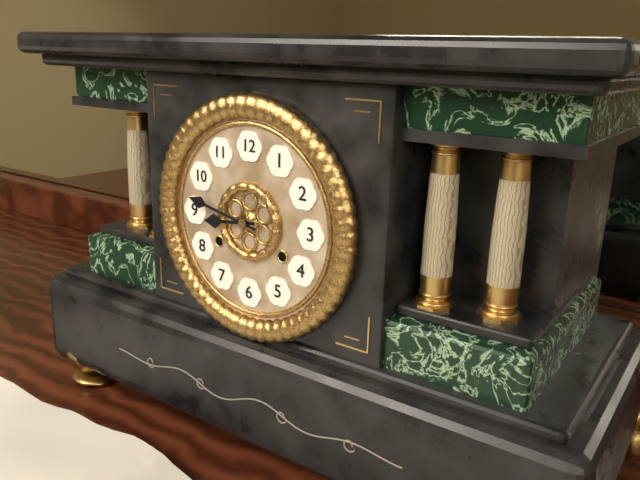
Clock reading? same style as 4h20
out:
8h47
